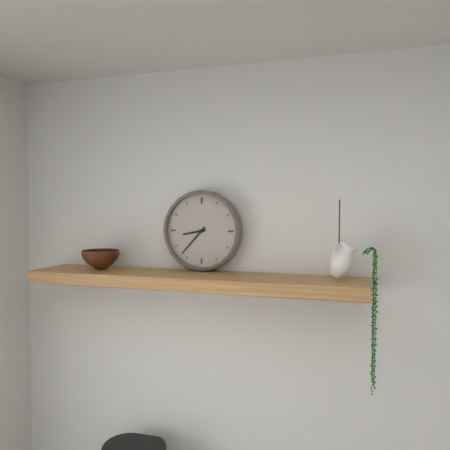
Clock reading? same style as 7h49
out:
8h37
